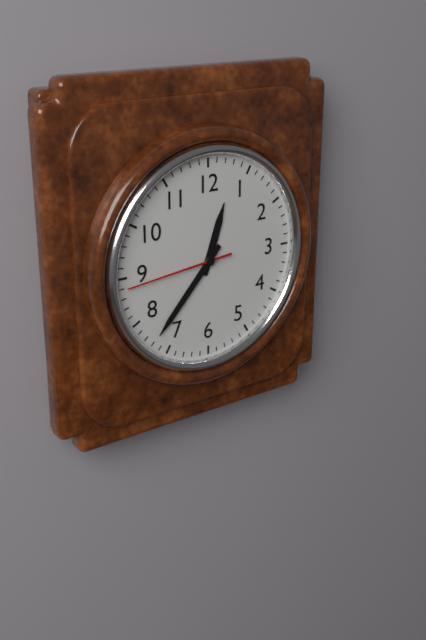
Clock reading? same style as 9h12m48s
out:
12h37m44s
